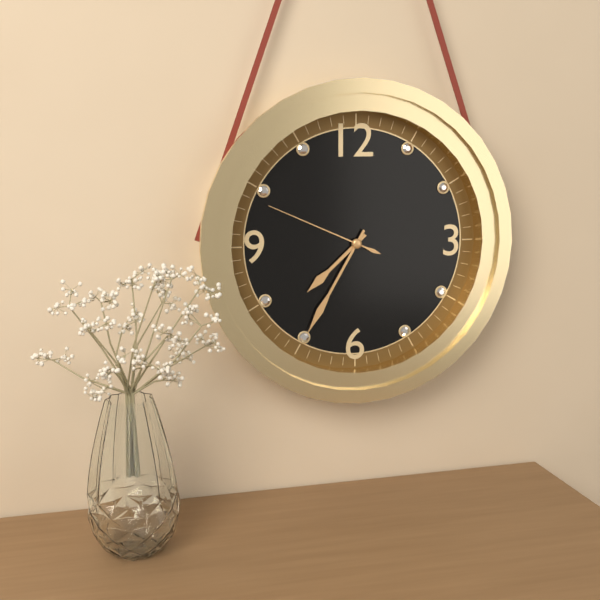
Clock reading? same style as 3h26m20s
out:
7h35m49s
